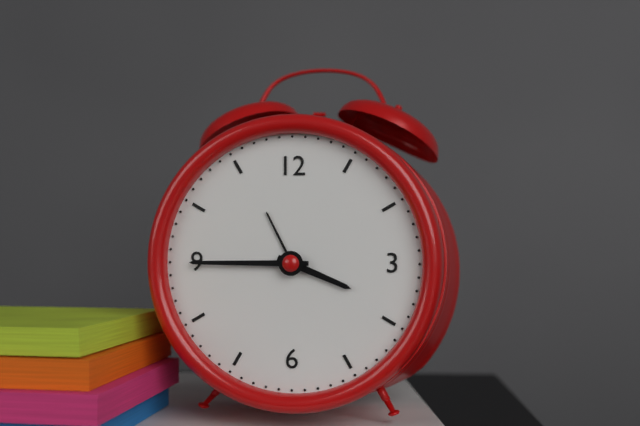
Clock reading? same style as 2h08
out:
3h45
